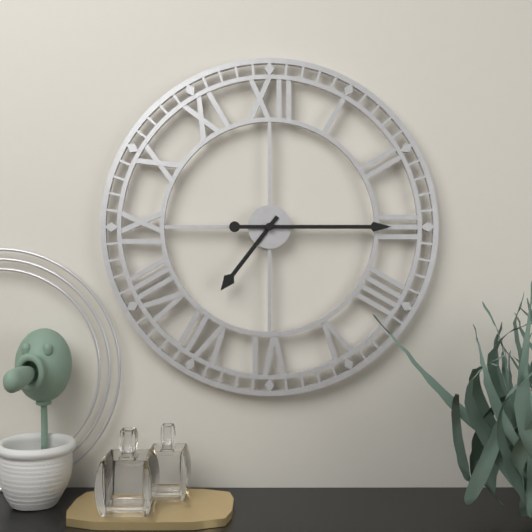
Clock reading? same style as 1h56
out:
7h15
